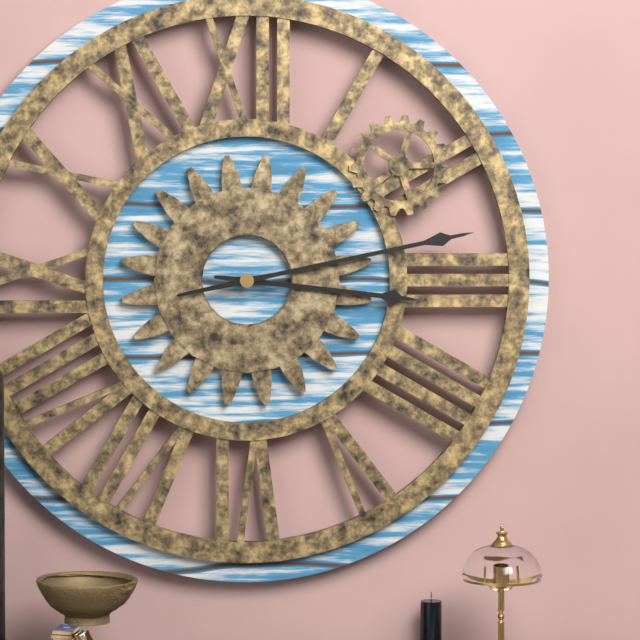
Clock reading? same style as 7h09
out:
3h13
